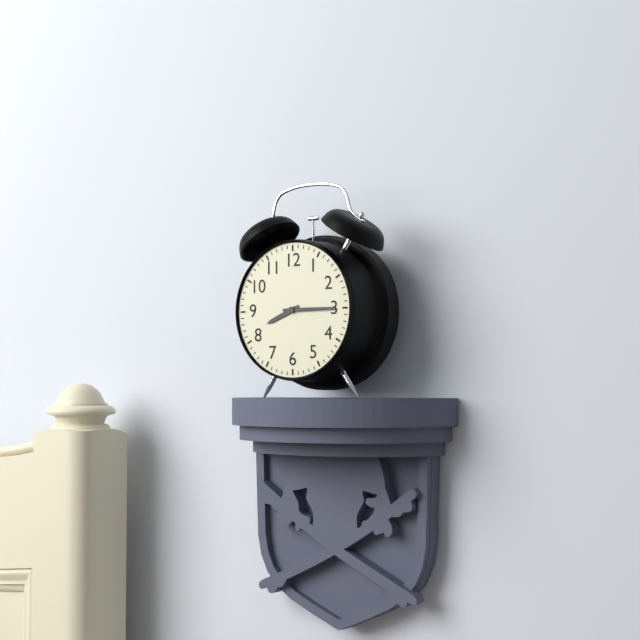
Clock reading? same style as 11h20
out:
8h15
